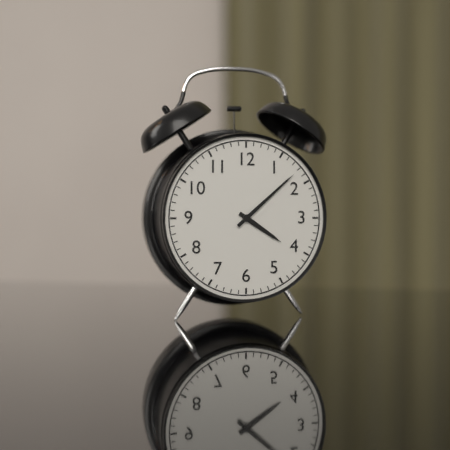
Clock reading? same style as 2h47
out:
4h08
